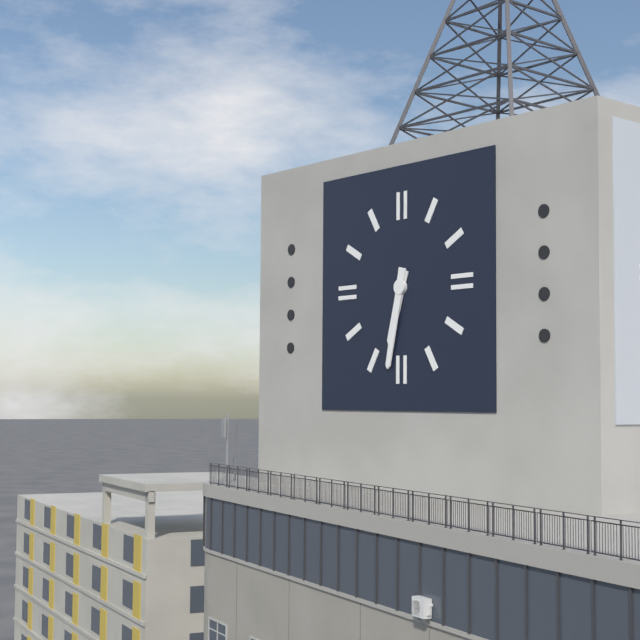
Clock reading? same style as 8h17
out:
6h32
